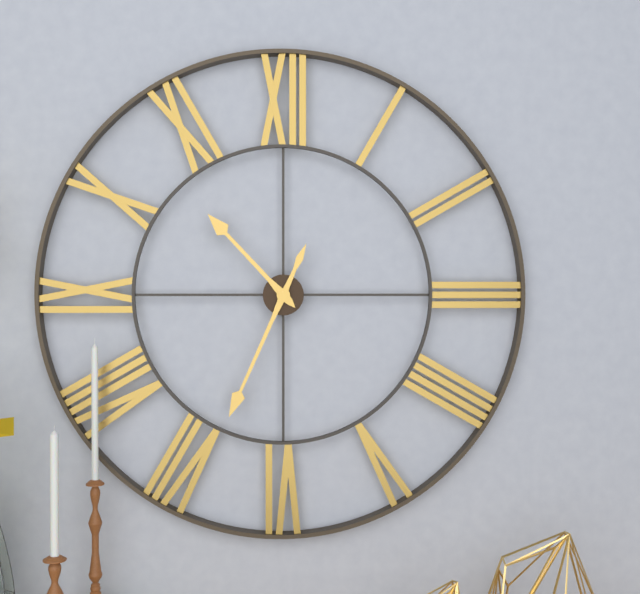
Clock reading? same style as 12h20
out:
10h34
